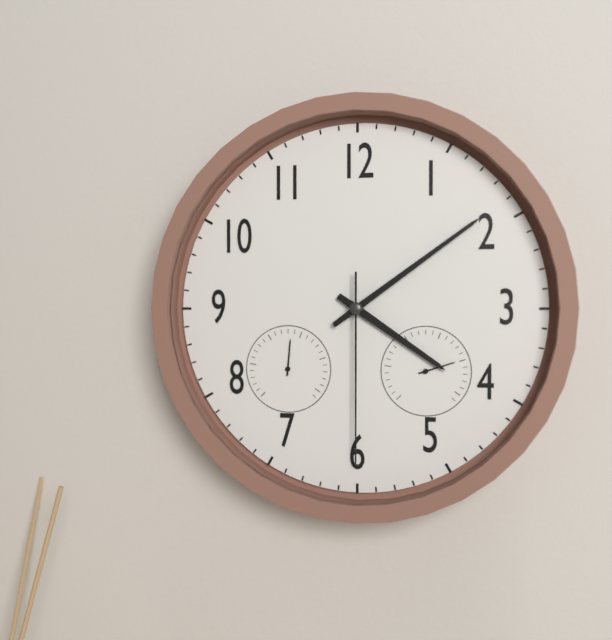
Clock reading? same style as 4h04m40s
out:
4h09m30s
